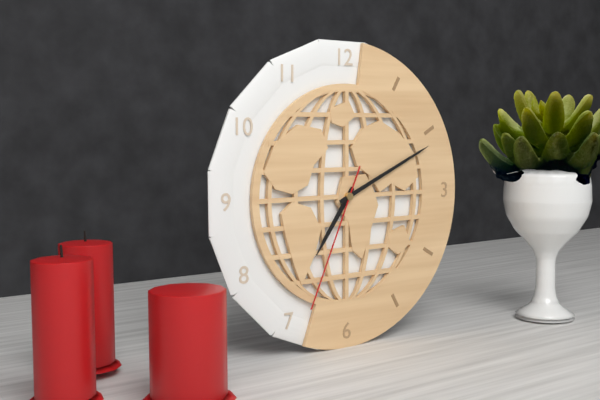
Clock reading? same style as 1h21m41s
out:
7h11m34s
